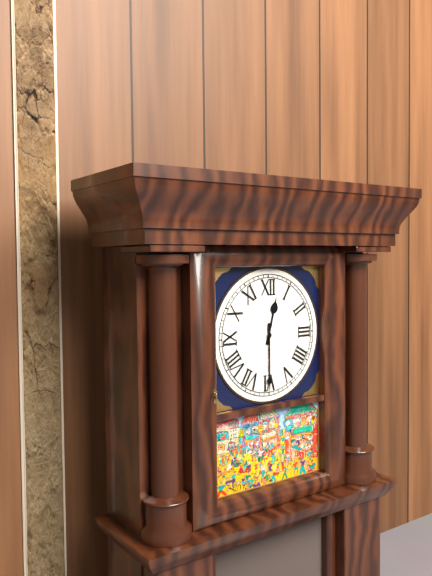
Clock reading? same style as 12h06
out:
12h30
